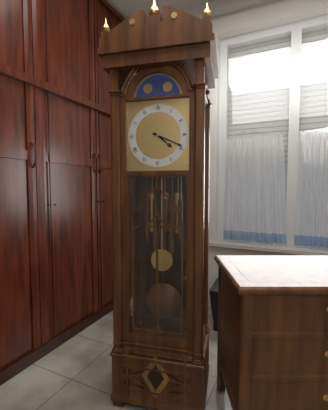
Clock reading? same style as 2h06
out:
4h19
